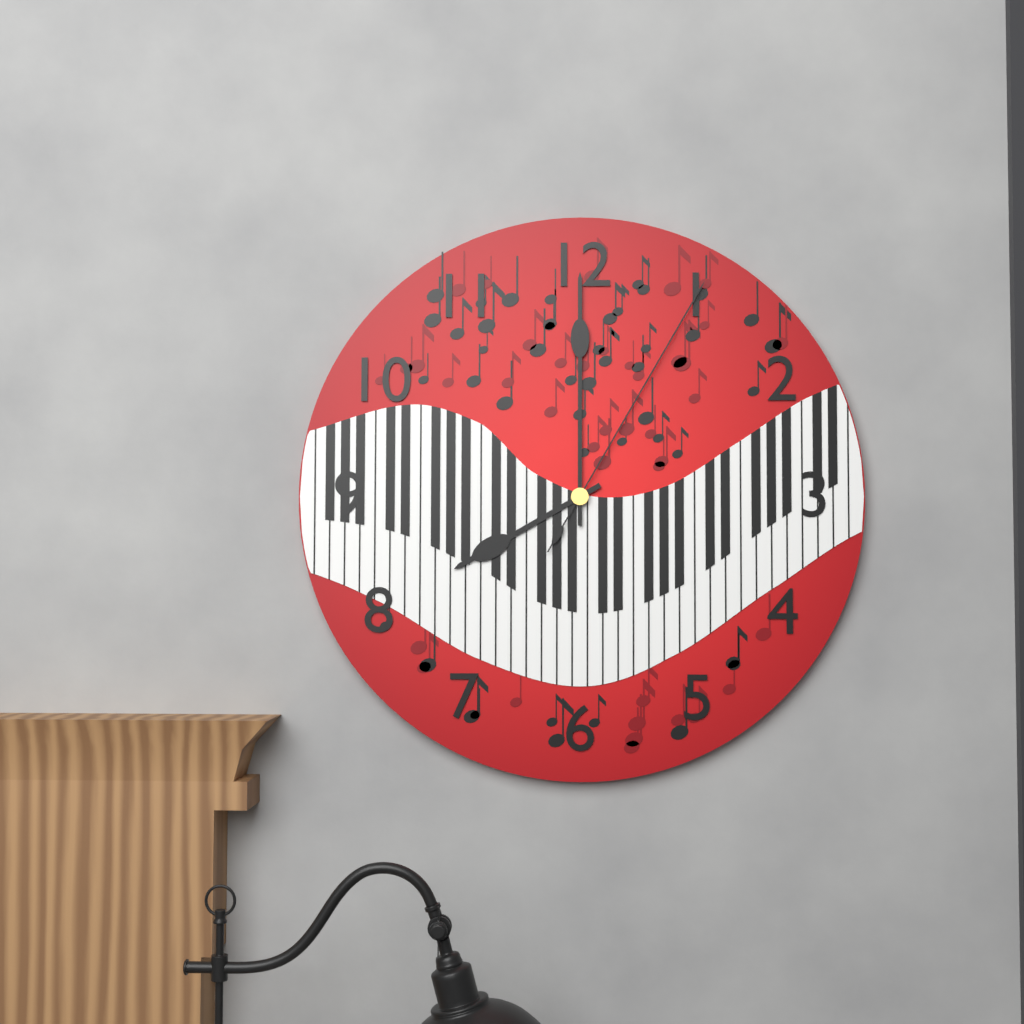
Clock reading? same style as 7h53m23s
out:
8h00m05s
